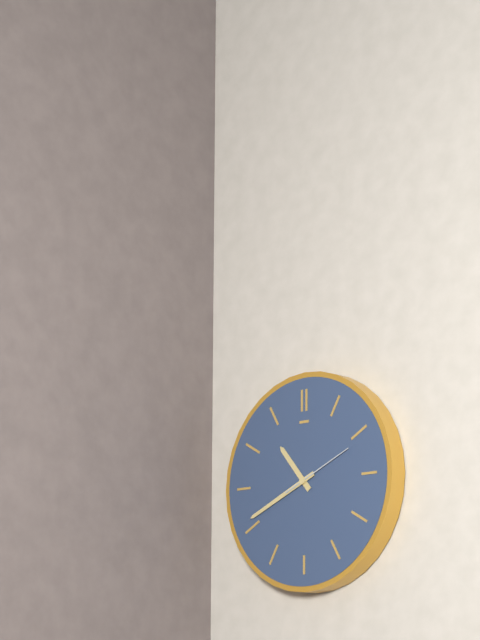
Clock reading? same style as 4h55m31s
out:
10h41m11s
